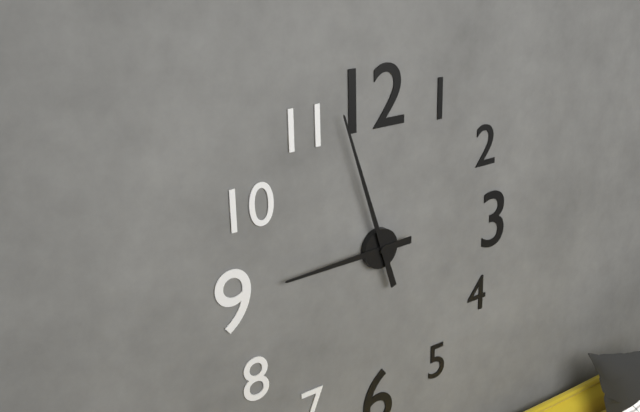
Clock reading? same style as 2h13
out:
8h57
